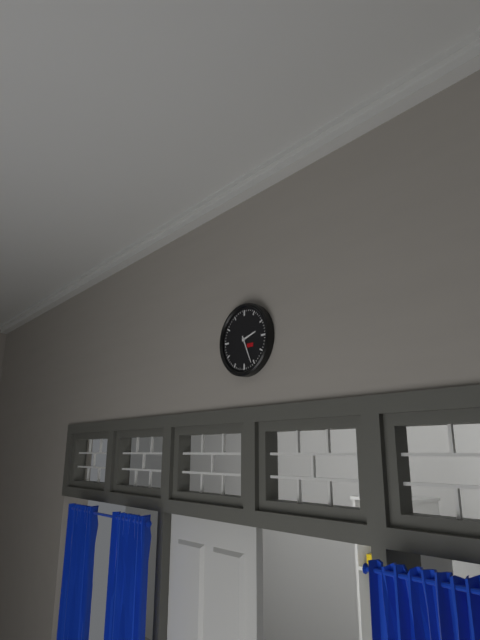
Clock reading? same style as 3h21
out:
2h26
